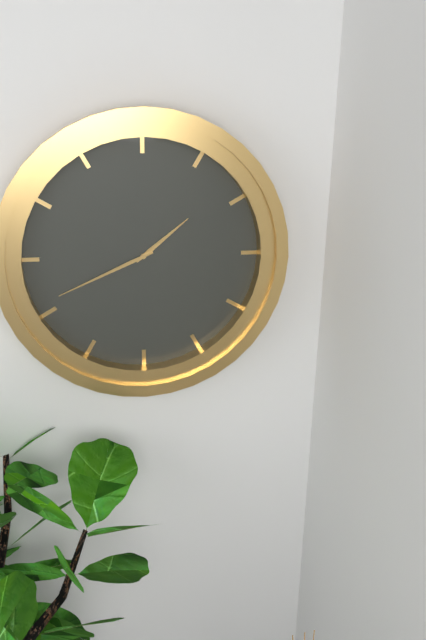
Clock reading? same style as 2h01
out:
1h41
